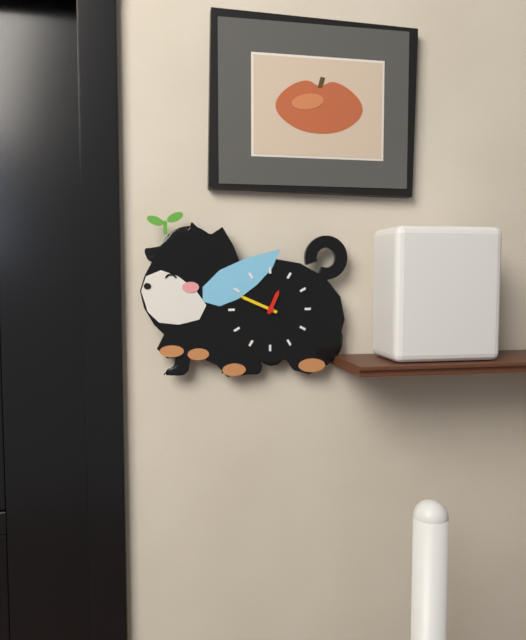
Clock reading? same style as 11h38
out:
12h49
